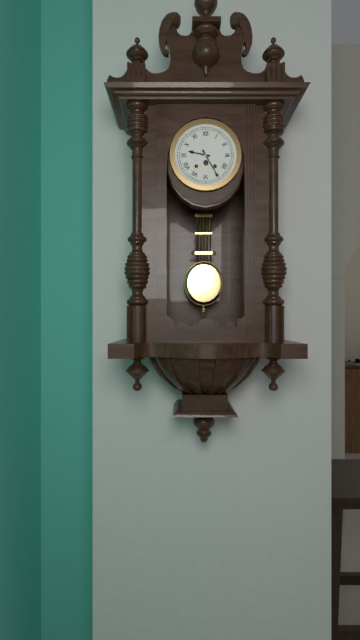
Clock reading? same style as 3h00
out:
9h25
